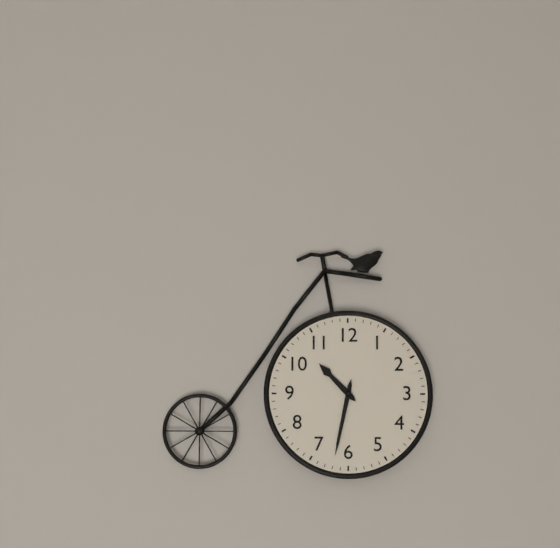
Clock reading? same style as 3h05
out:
10h32
